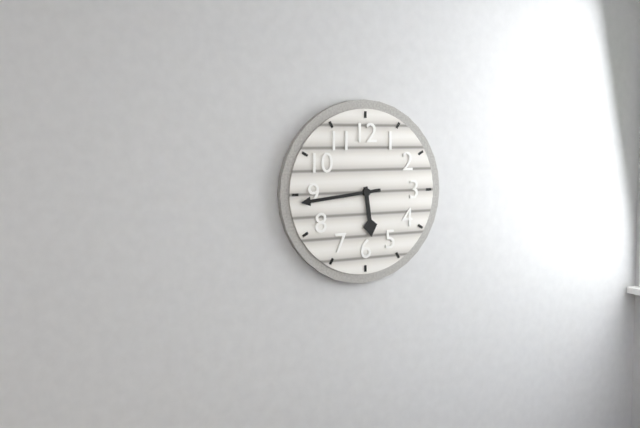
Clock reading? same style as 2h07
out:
5h44
